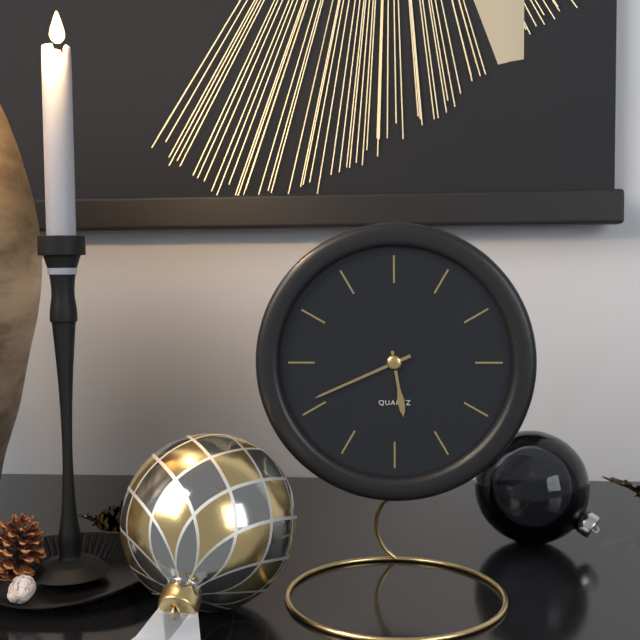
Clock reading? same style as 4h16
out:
5h41
